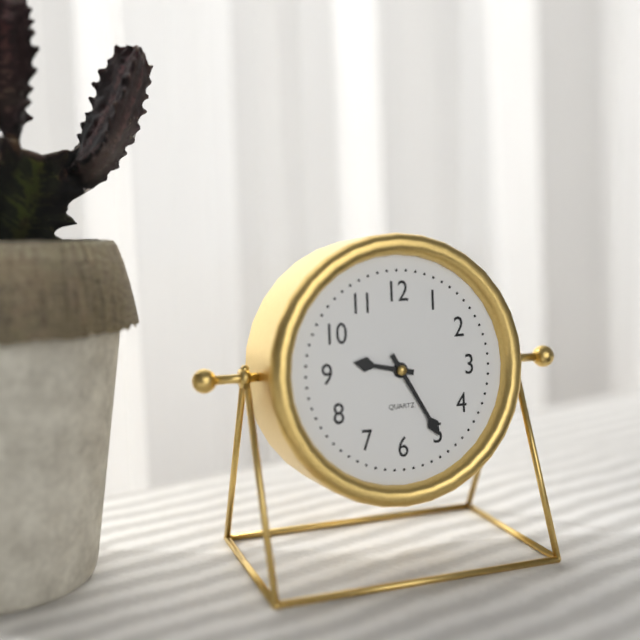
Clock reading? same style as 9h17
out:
9h25
